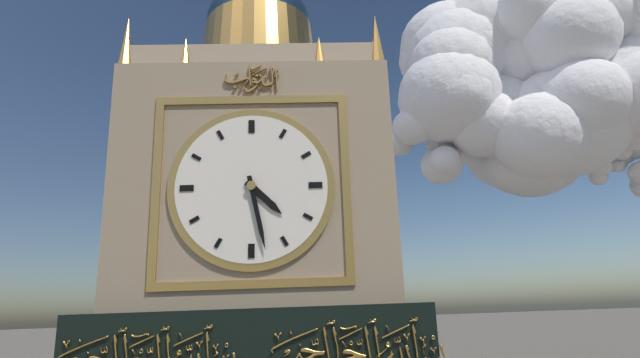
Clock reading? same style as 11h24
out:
4h28
